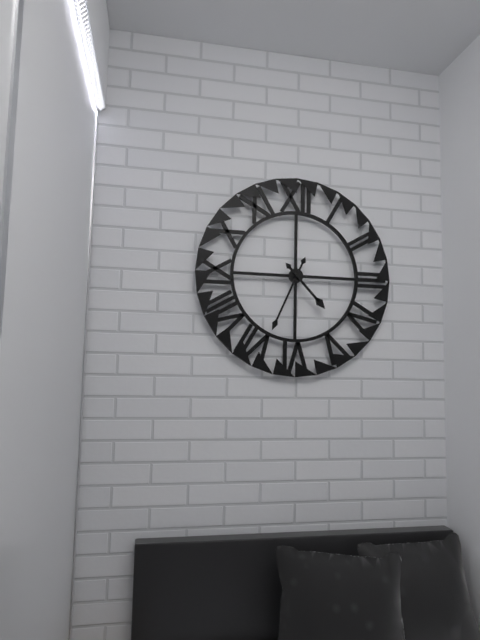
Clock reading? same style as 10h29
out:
4h34
